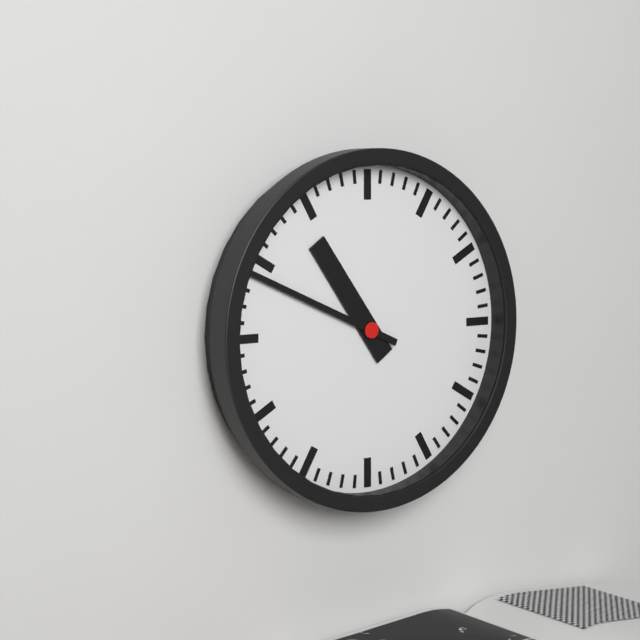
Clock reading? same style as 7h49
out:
10h49
